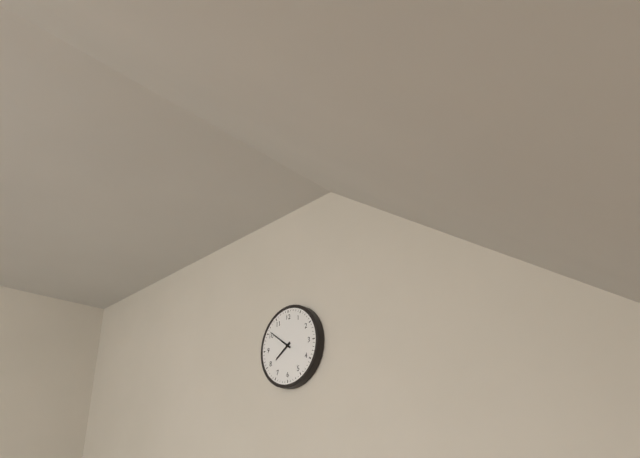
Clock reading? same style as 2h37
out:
7h51
